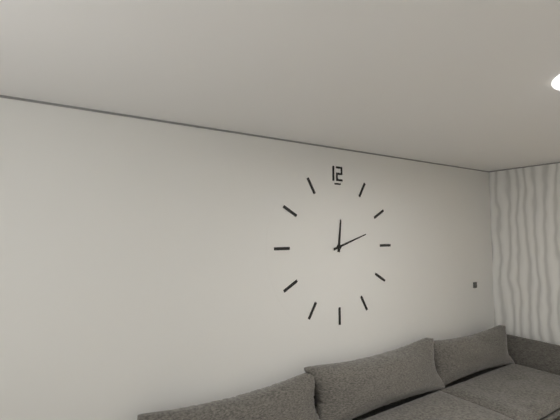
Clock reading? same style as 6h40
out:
12h12
